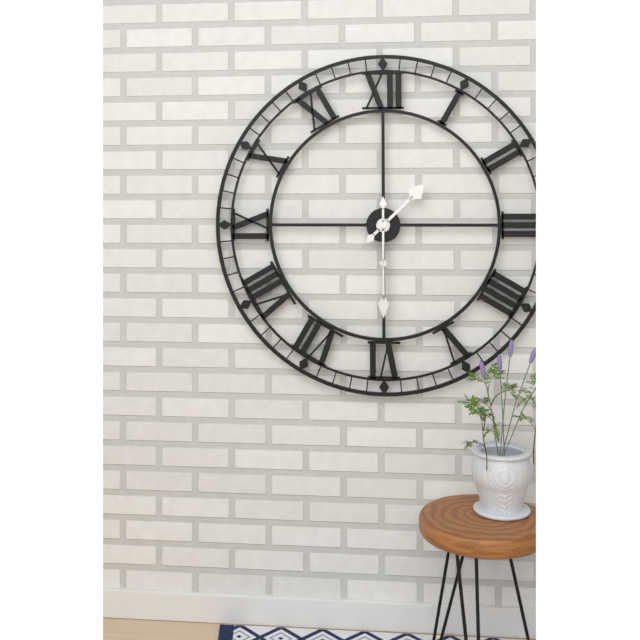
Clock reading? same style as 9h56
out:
1h30
